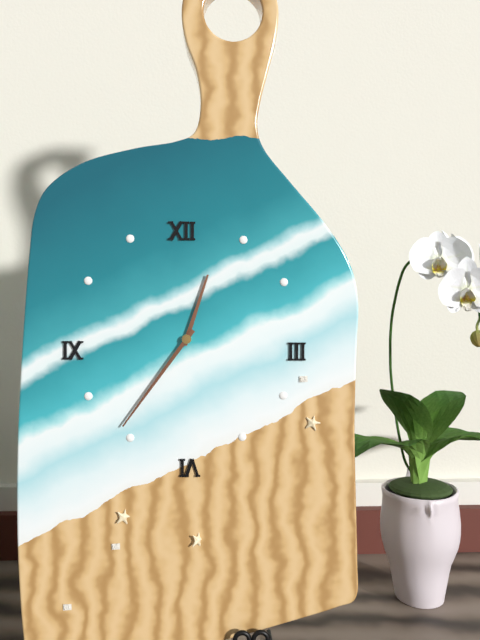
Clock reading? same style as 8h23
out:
12h36
